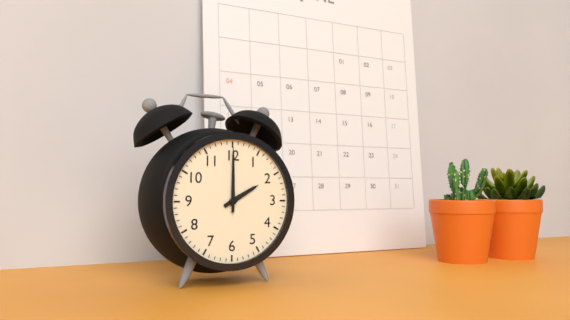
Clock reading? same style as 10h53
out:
2h00
